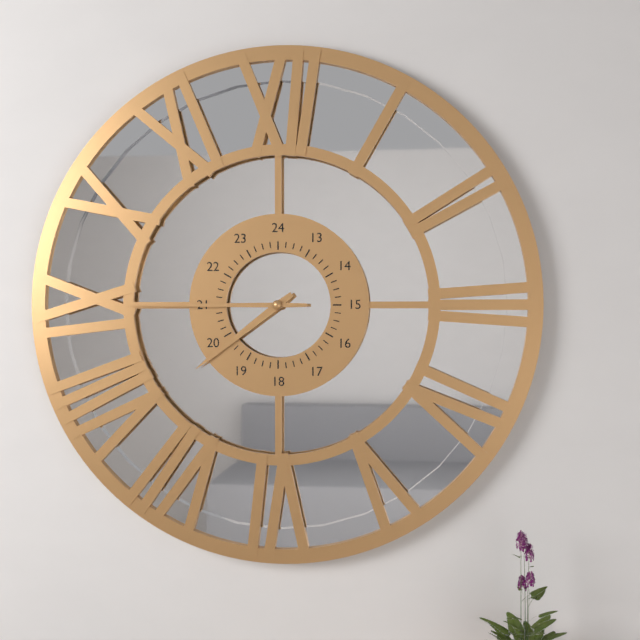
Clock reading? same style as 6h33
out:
7h45
